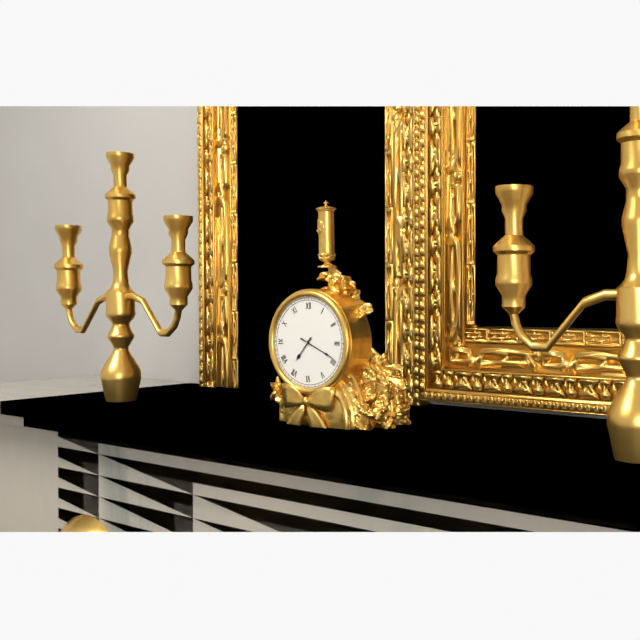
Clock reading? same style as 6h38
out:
7h19
